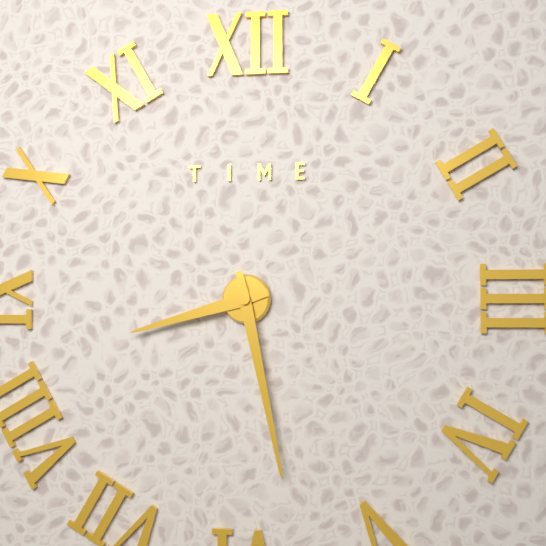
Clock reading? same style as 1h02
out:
8h28
